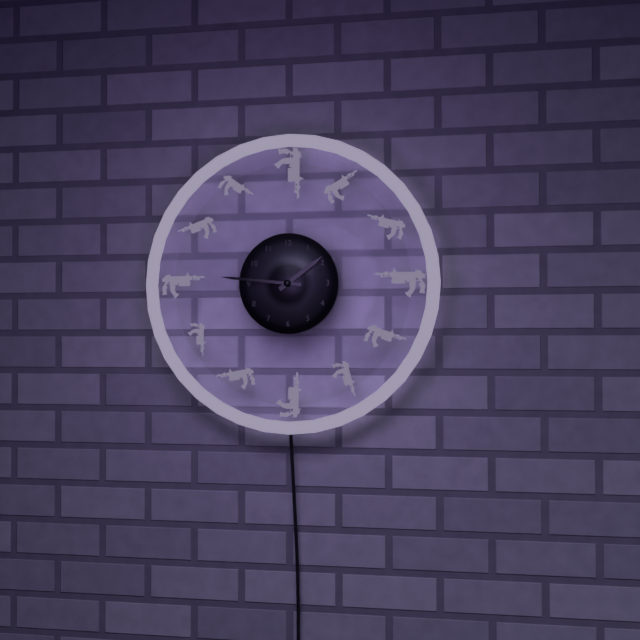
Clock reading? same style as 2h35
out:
1h46
